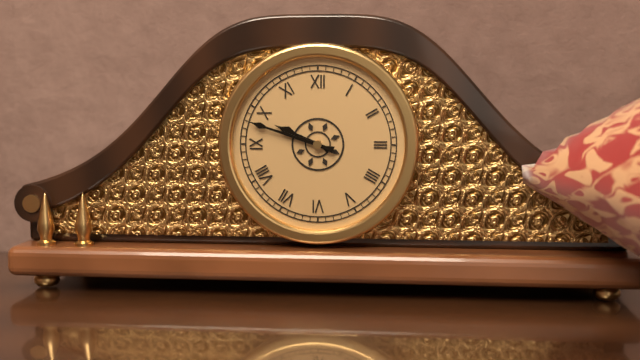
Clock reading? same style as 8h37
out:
9h48
